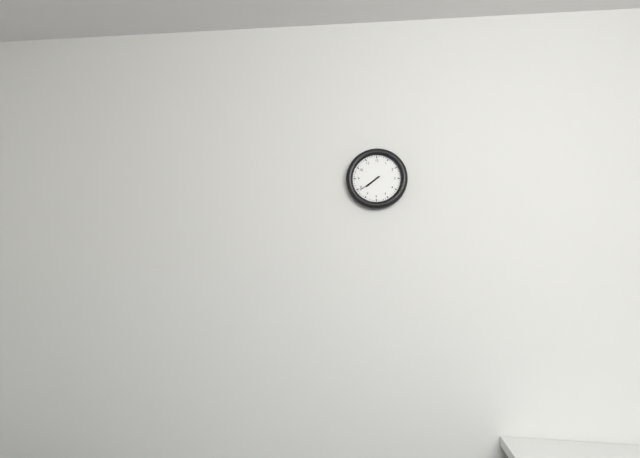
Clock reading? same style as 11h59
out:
7h39
